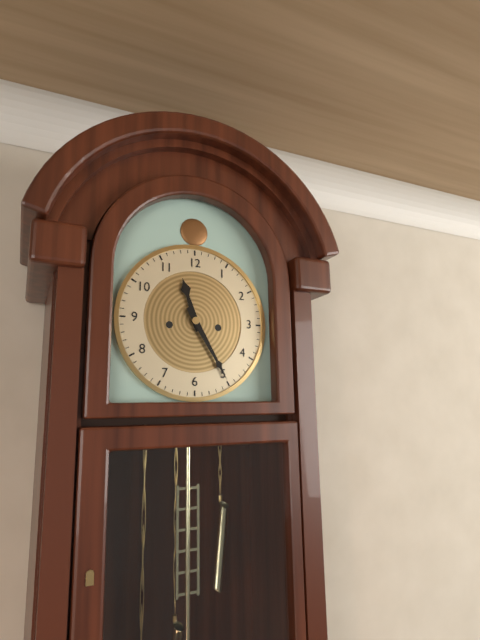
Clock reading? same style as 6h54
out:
11h25
